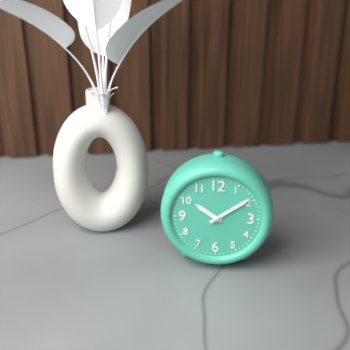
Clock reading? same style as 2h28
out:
10h09
